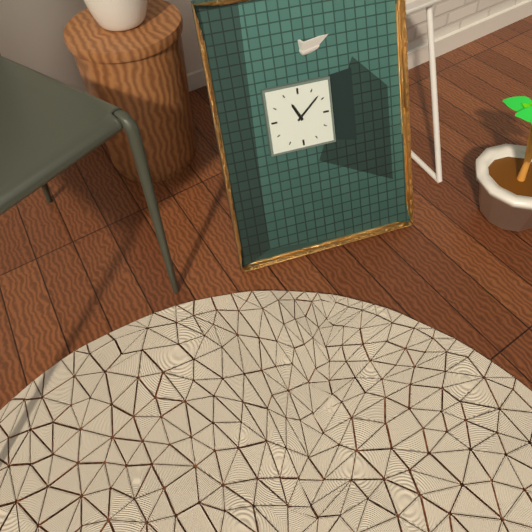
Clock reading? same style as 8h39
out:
11h08
